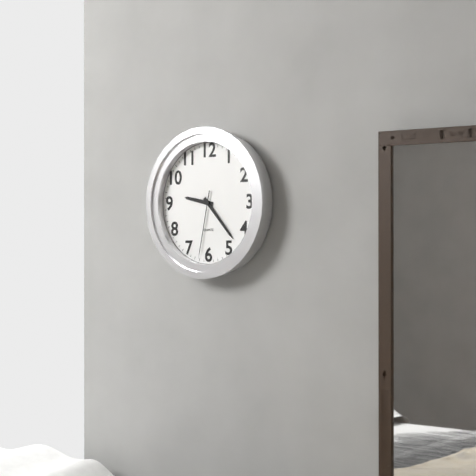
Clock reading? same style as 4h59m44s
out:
9h23m32s
